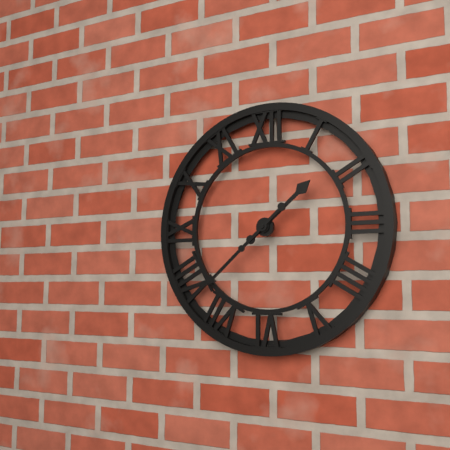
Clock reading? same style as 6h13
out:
1h38
